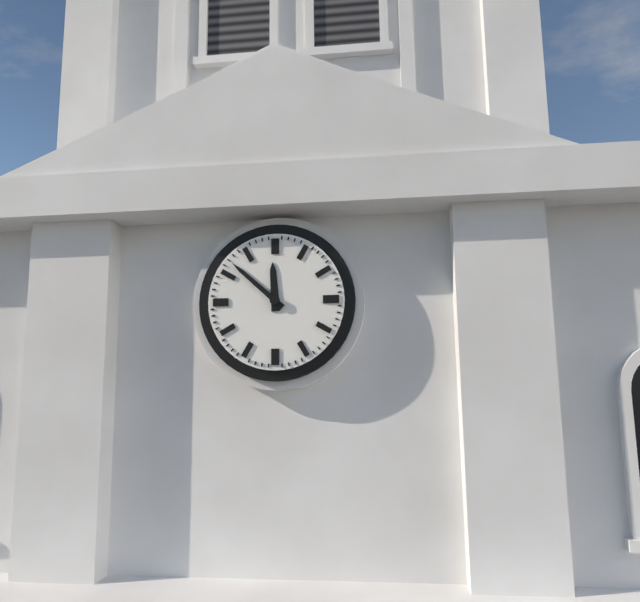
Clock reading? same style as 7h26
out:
11h52
